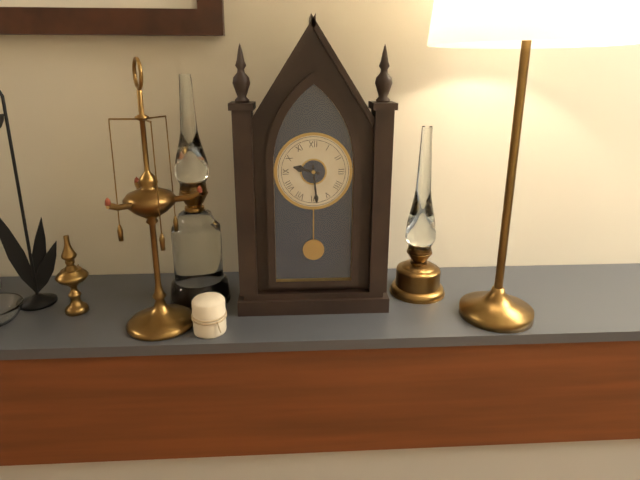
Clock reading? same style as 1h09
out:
9h29
